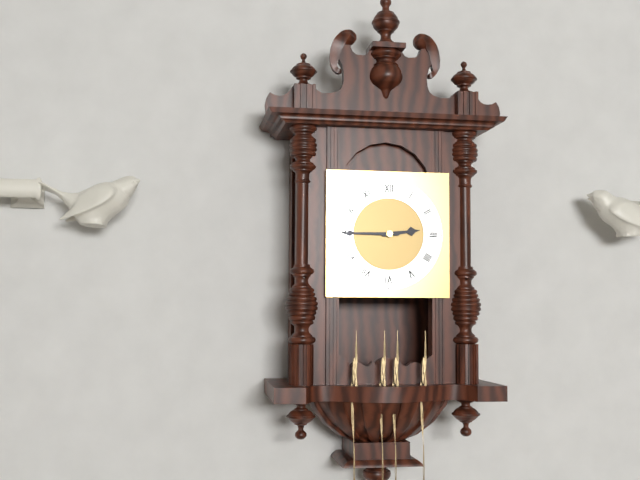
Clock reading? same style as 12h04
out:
2h45
